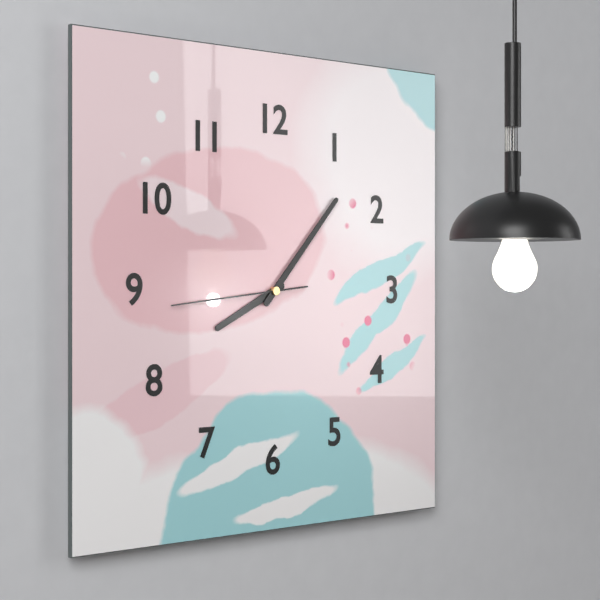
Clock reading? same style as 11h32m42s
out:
8h07m44s
